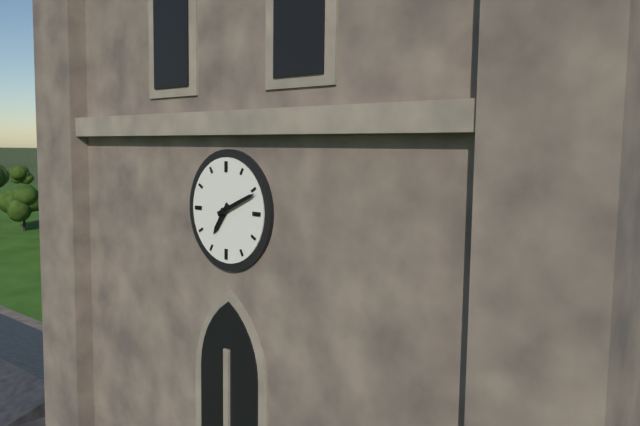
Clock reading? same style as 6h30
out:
7h11
